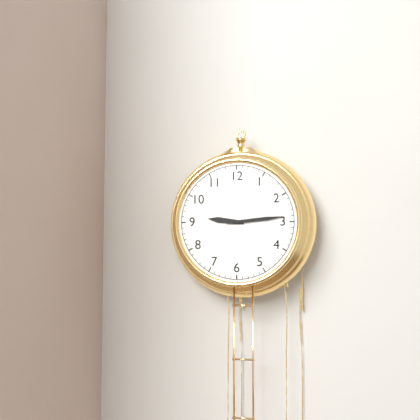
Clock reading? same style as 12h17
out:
9h14
